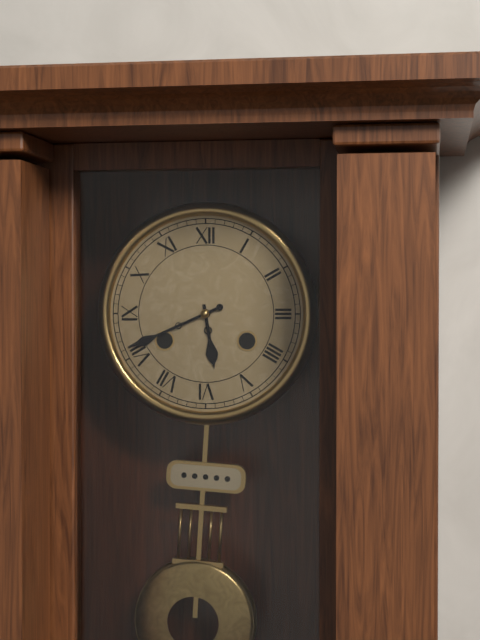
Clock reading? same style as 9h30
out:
5h41
